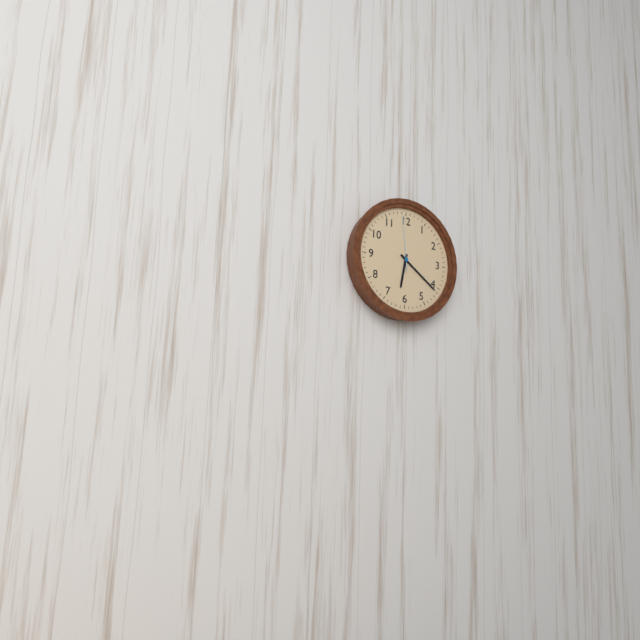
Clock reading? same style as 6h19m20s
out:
6h21m59s
